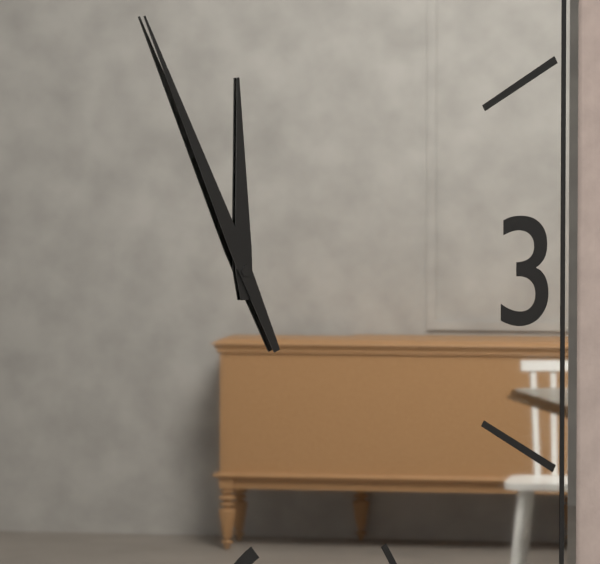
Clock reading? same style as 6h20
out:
11h56
